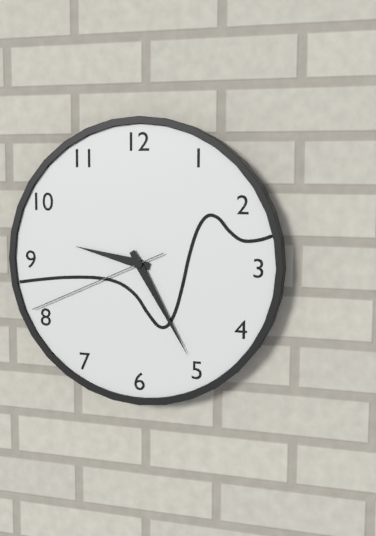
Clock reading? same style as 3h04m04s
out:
9h25m41s
